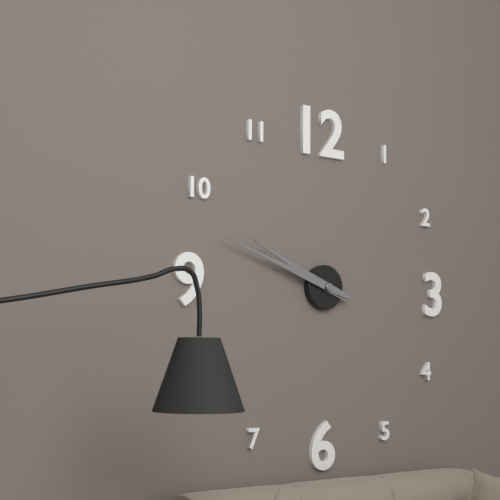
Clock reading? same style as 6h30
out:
9h48
